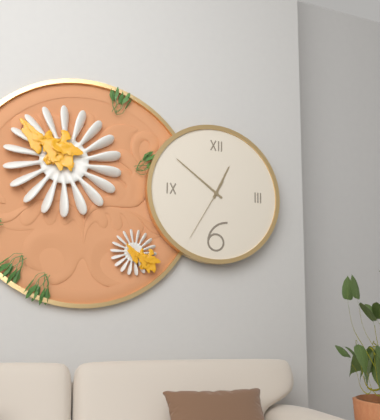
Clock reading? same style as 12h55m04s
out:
12h51m35s
